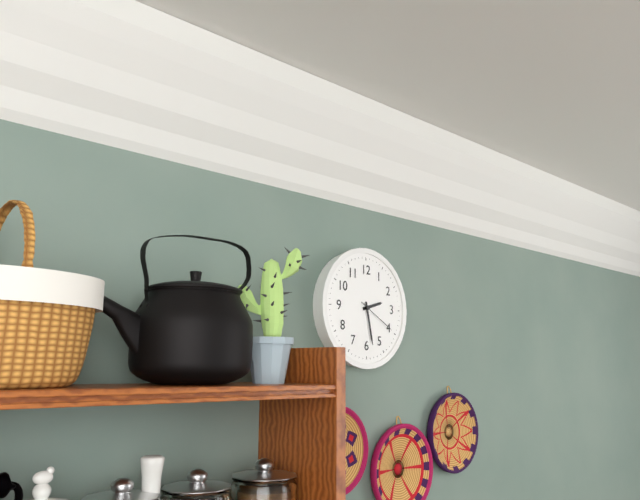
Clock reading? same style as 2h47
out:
2h28
